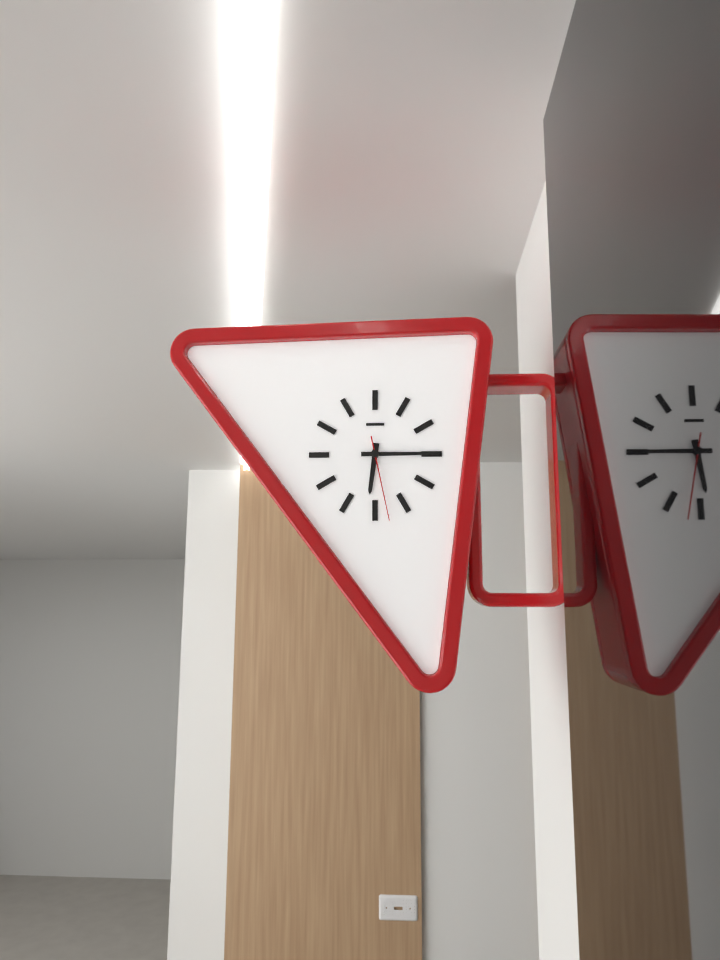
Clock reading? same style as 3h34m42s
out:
6h15m28s
